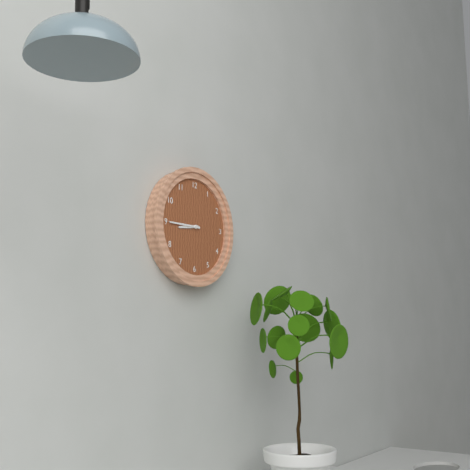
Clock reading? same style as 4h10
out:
8h45
